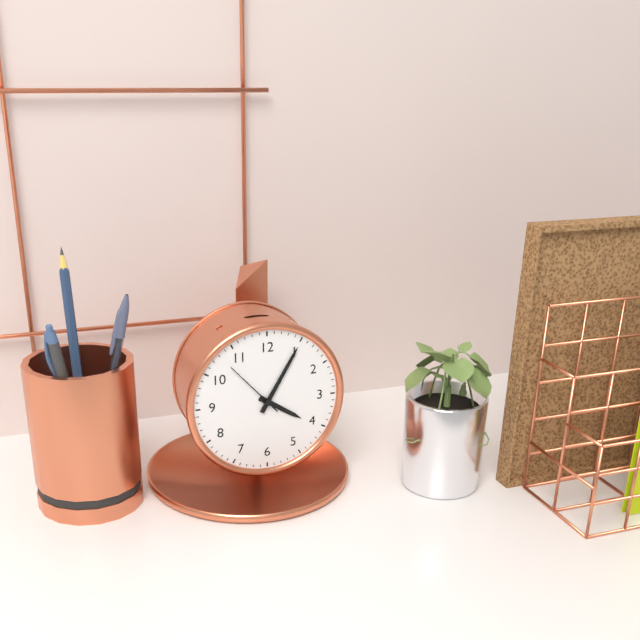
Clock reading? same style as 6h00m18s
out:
4h05m53s
